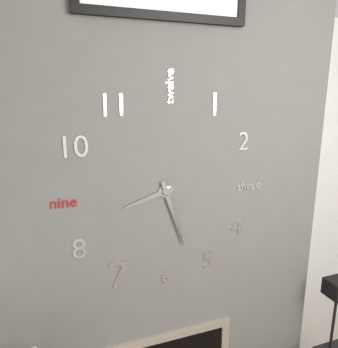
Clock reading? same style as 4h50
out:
8h27
